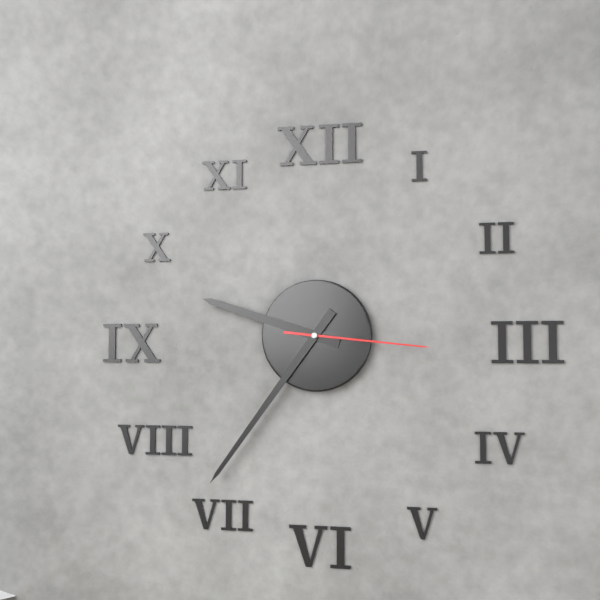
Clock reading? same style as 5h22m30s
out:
9h36m16s
